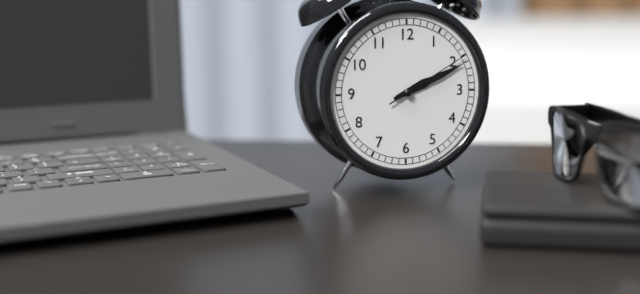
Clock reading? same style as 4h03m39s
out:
2h11m10s
